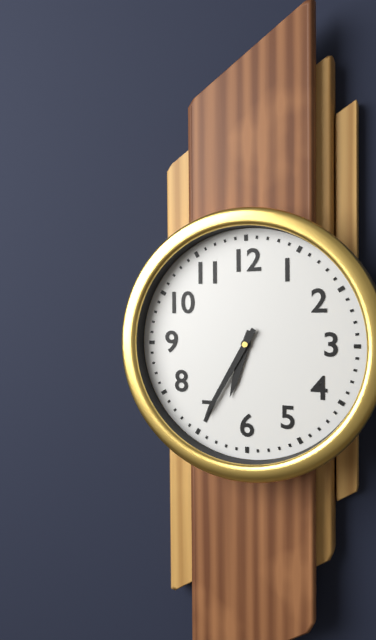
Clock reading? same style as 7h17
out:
6h35
